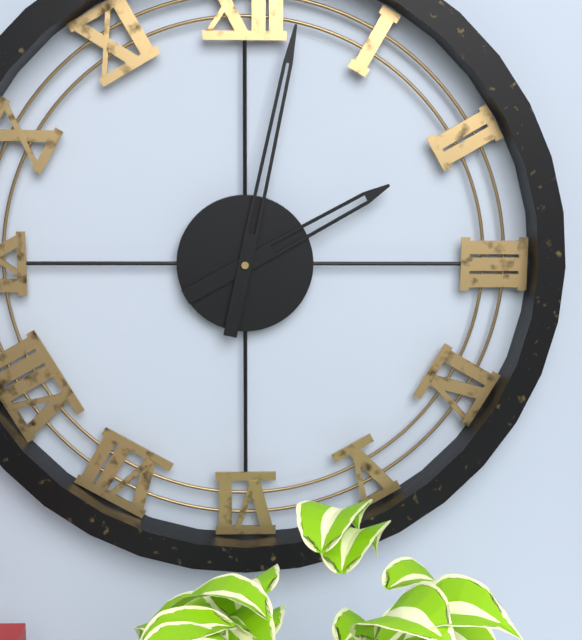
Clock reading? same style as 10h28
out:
2h02
